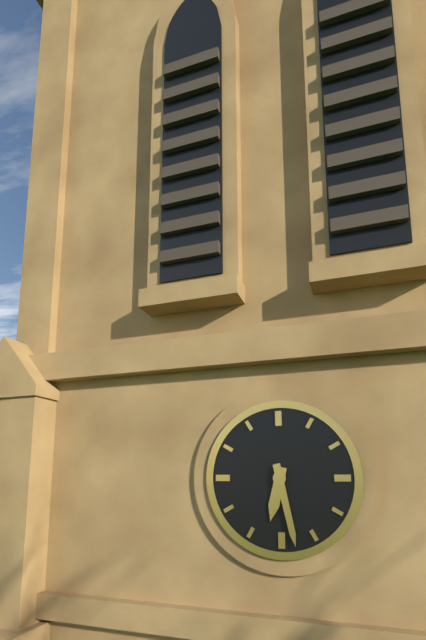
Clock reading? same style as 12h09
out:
6h28
